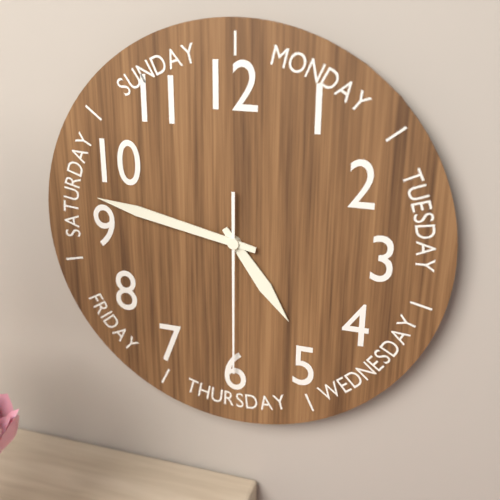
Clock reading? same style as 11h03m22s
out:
4h47m30s
